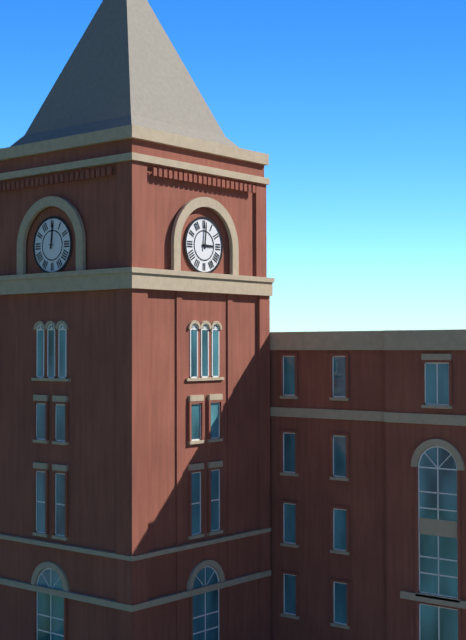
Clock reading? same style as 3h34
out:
3h01
